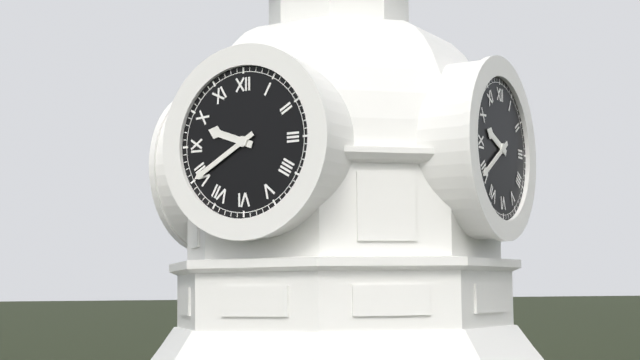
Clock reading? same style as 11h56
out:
9h40
